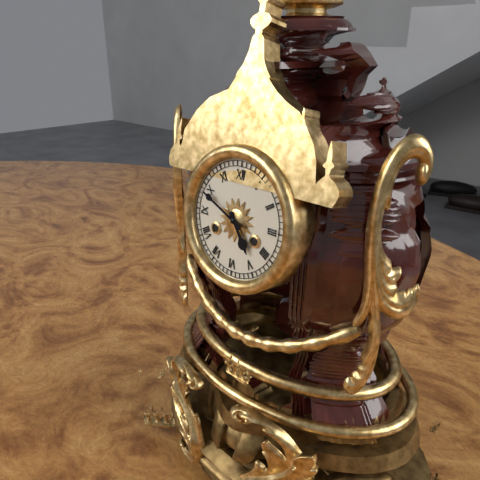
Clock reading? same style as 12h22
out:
4h49
